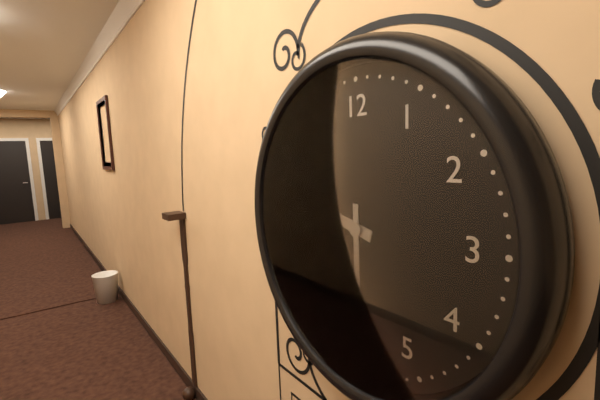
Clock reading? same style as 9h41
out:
9h30
